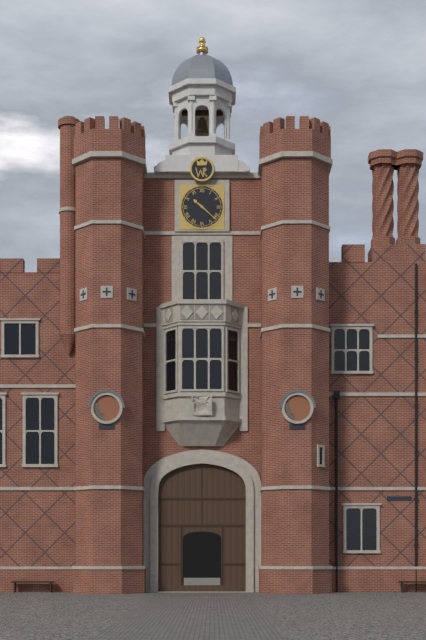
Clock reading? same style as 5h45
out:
10h22
